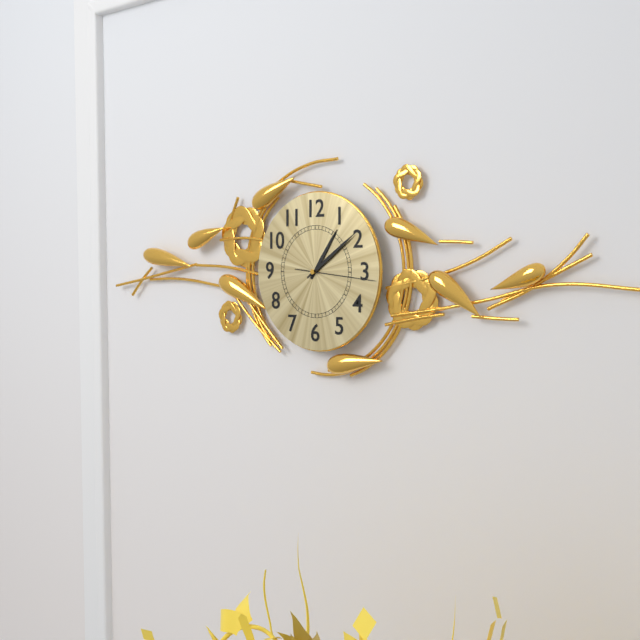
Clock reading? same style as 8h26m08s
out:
1h09m16s
